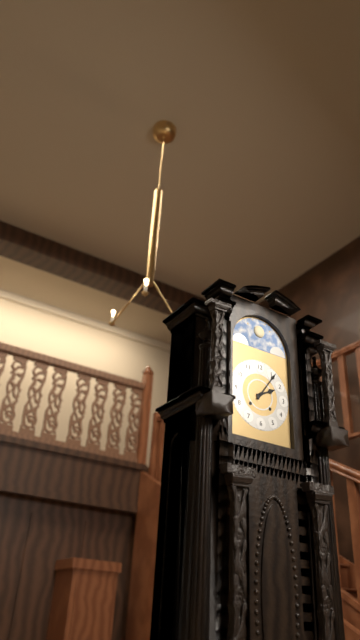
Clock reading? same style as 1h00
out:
2h06
